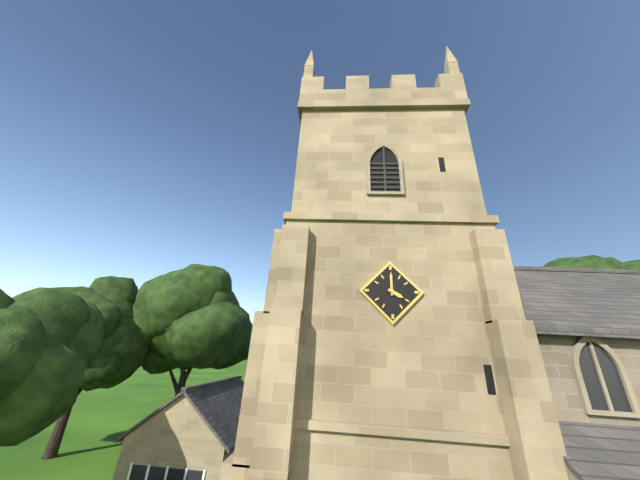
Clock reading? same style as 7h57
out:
4h00
